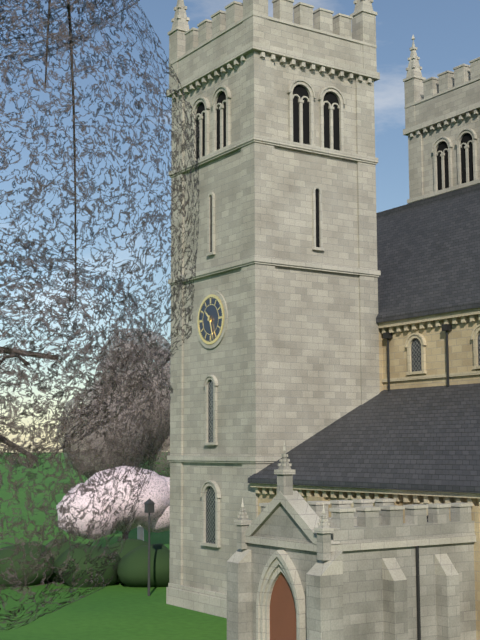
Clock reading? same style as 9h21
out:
10h27
